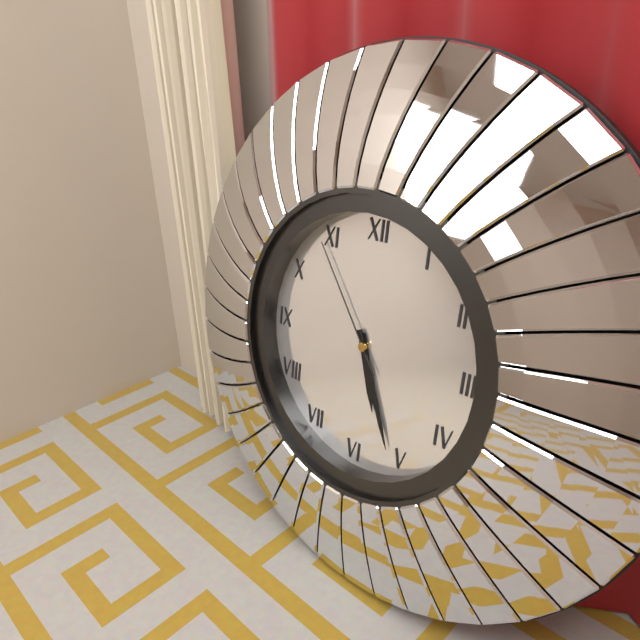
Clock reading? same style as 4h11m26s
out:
5h26m54s
